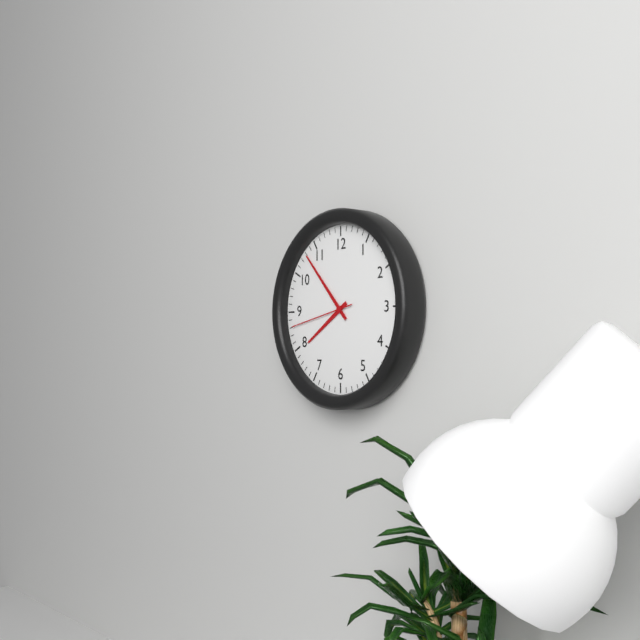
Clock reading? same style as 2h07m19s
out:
7h53m43s
